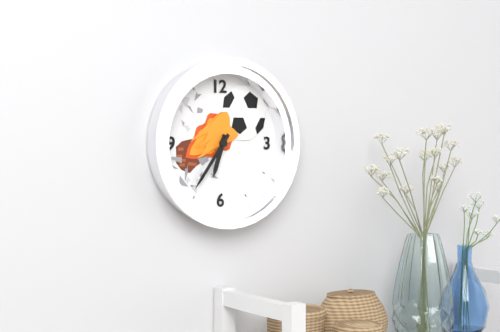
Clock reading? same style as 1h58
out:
6h36
